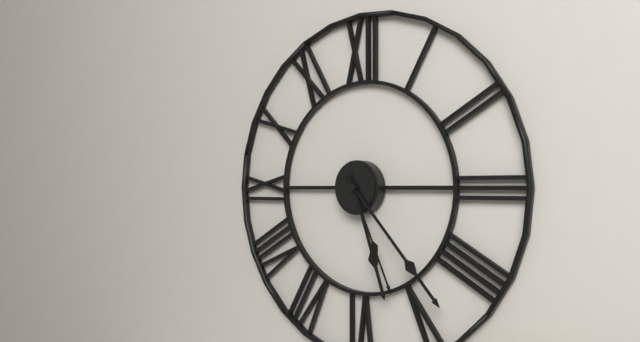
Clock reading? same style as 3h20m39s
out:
5h23m26s
